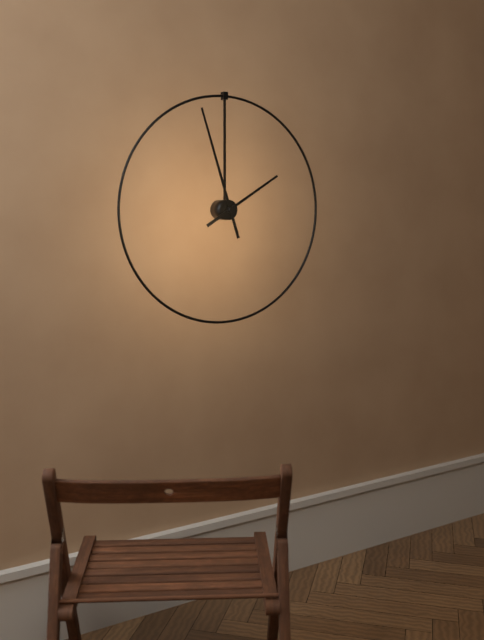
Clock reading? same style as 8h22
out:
1h57
